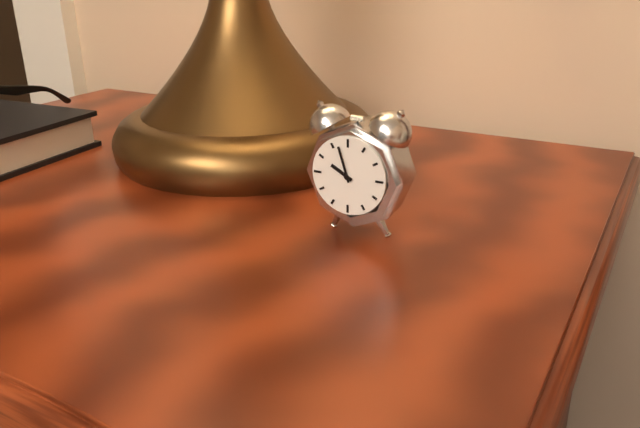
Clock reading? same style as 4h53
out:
9h57
